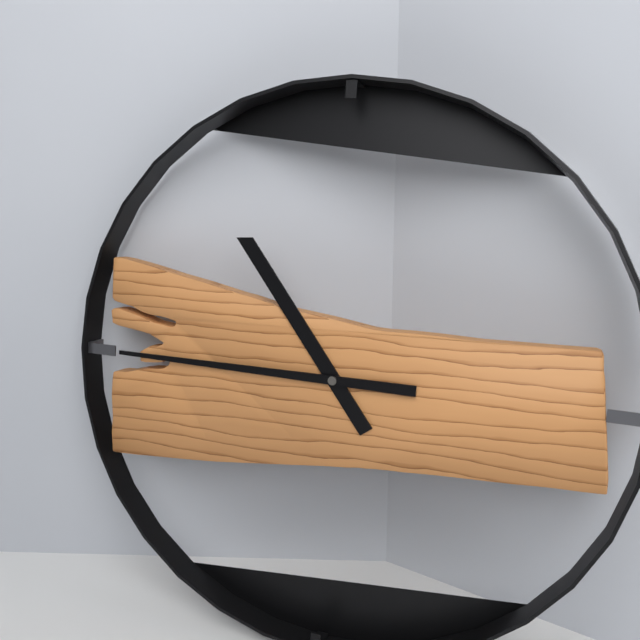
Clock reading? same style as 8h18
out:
10h45
